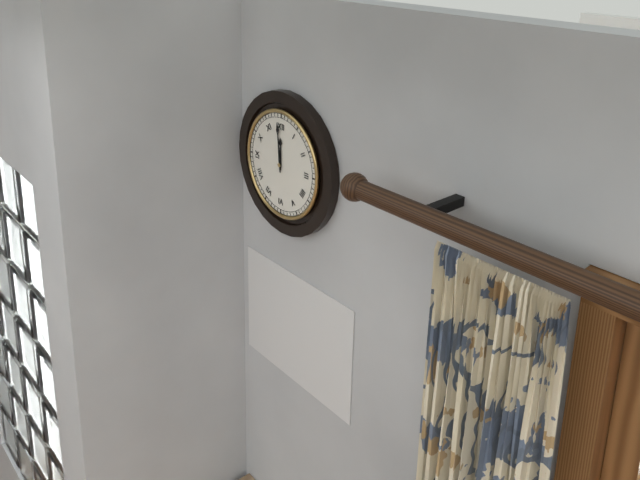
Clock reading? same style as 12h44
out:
11h59
